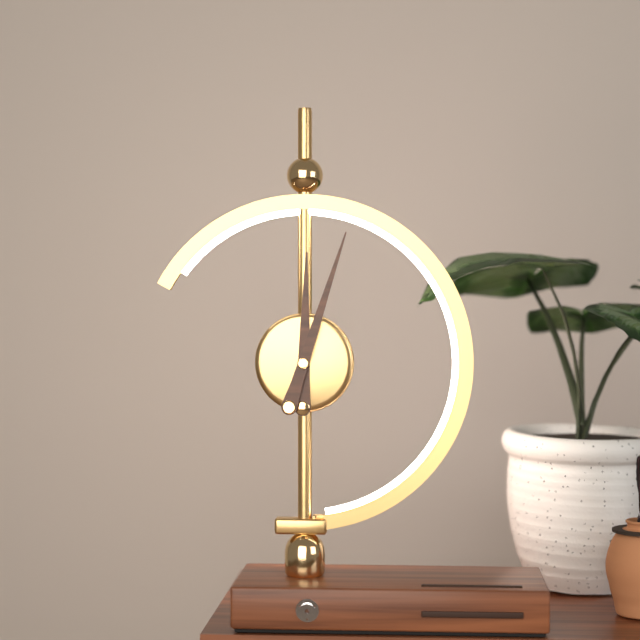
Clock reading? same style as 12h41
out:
12h03
